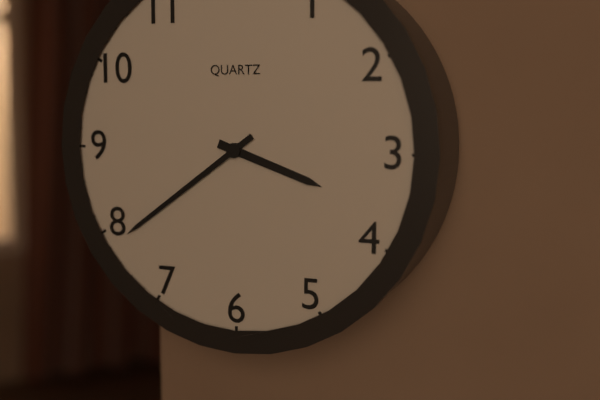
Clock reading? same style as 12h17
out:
3h39
